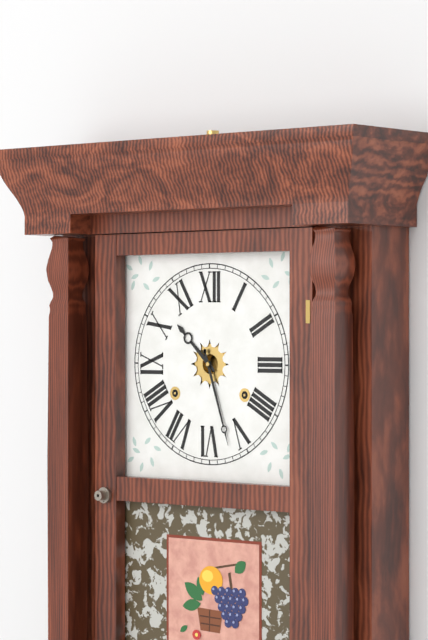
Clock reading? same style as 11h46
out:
10h27
